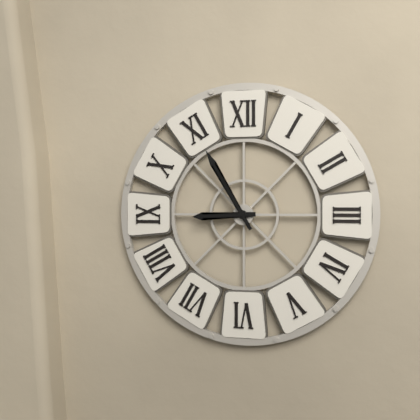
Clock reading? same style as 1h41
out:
8h55
